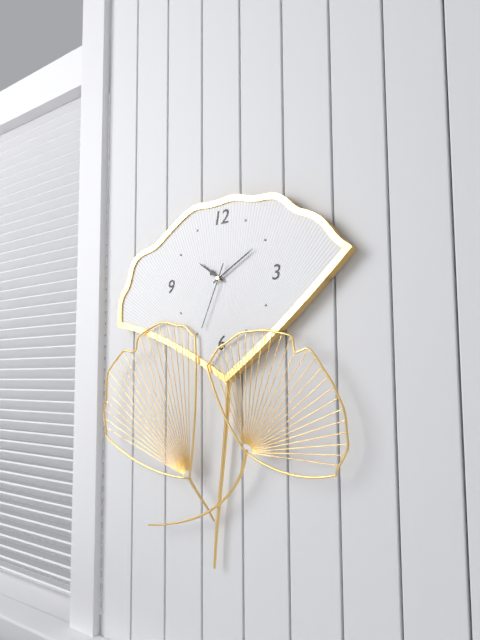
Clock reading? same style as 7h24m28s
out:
10h10m34s
